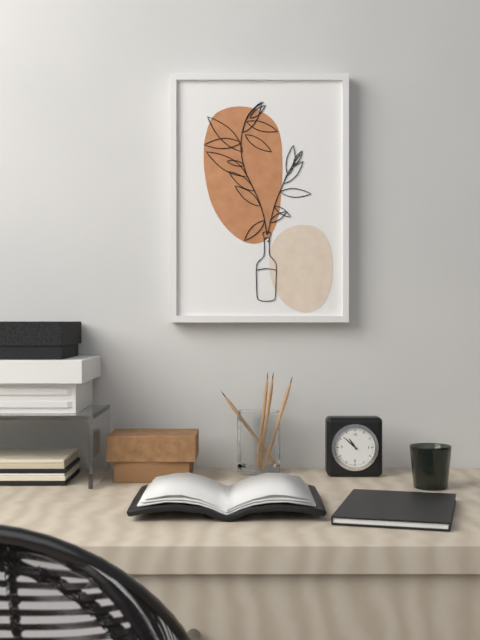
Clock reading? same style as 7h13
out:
10h52
